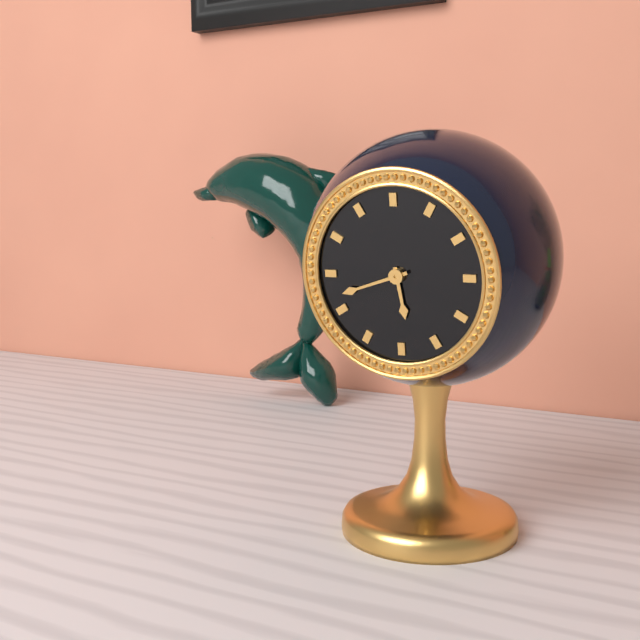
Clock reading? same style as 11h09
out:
5h42
